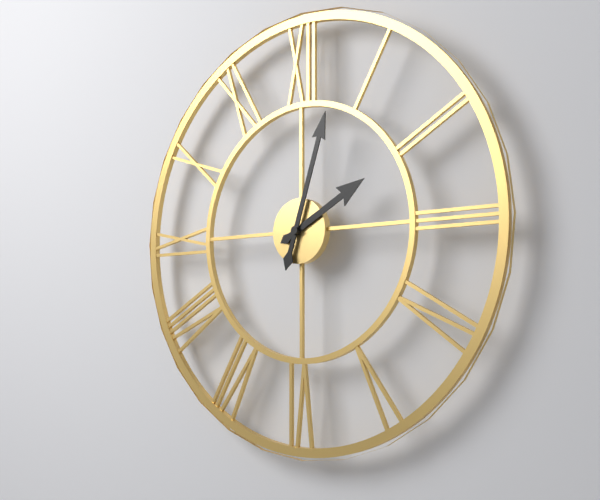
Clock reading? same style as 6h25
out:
2h03
